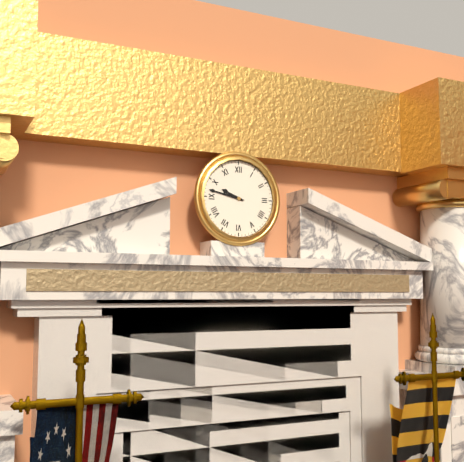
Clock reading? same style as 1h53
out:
9h47
